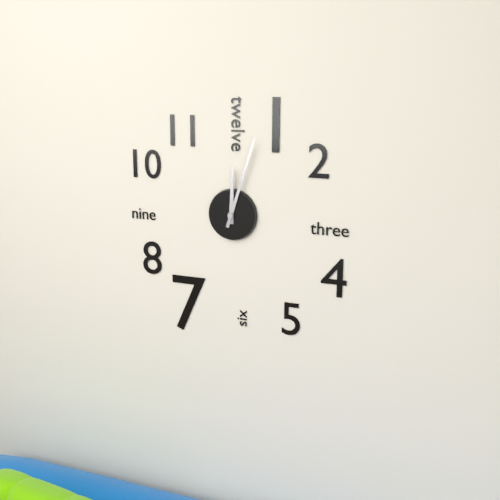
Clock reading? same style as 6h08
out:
12h03
